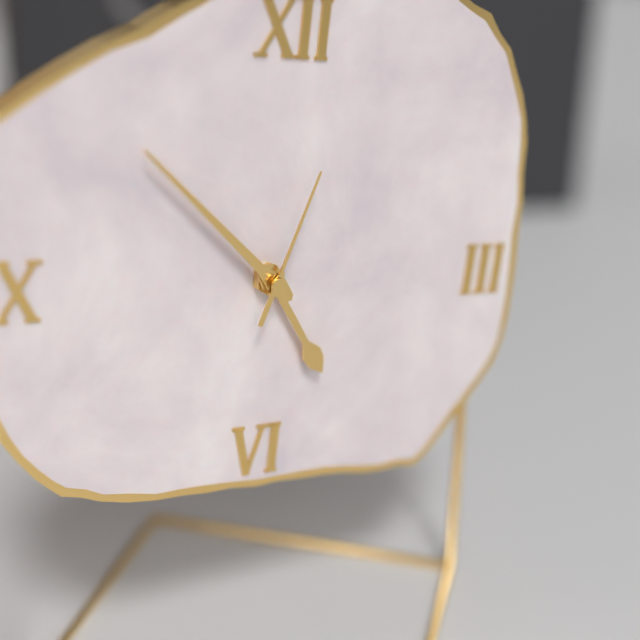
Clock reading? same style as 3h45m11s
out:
4h52m03s
